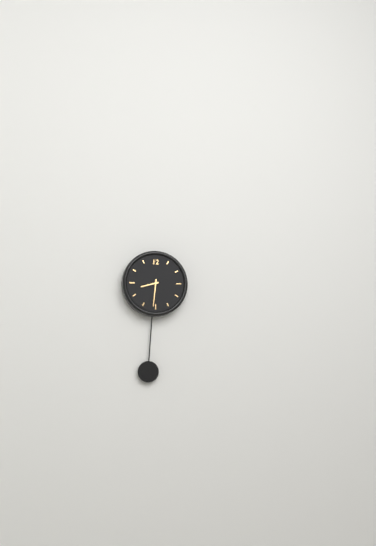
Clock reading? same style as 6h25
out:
8h31
